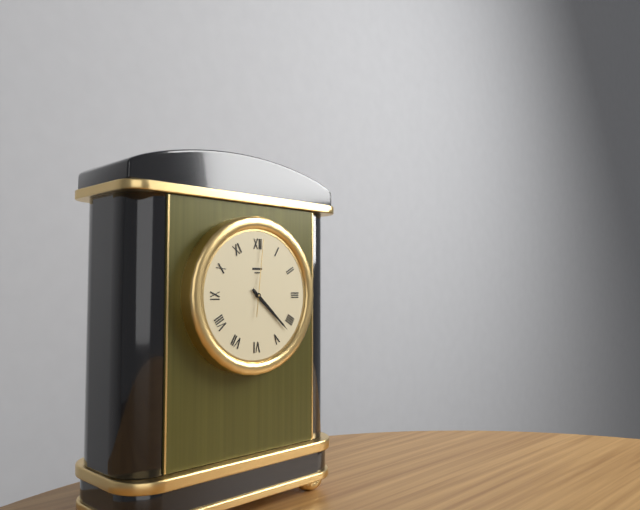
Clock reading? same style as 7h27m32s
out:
4h22m01s
